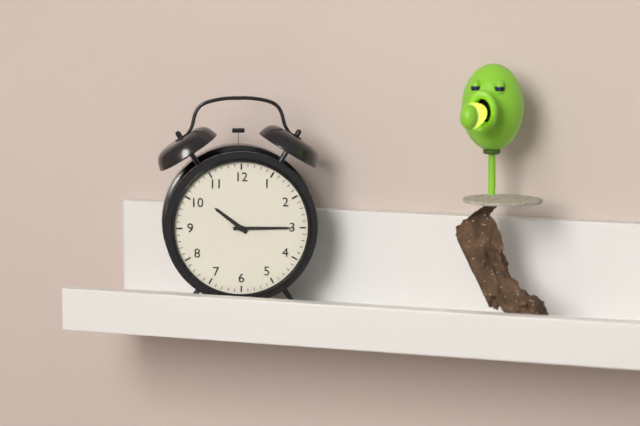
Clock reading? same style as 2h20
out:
10h15
